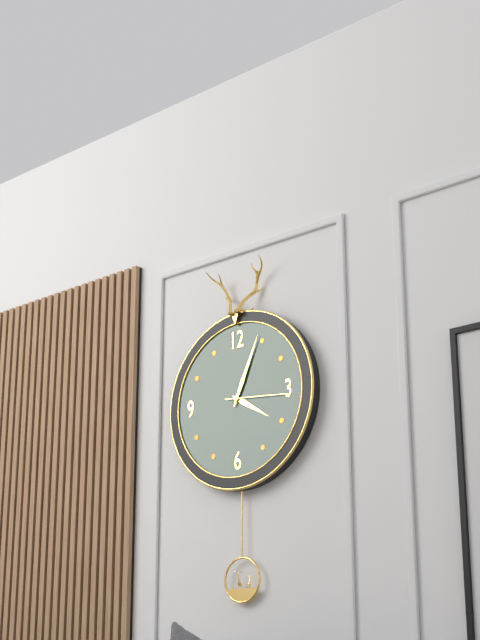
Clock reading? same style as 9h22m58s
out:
4h04m16s
